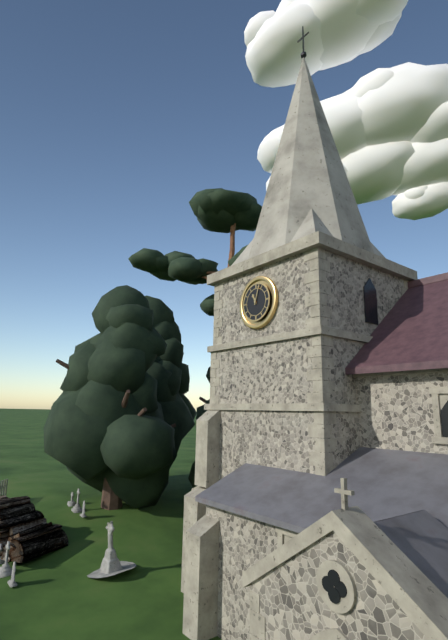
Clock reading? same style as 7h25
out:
11h03
